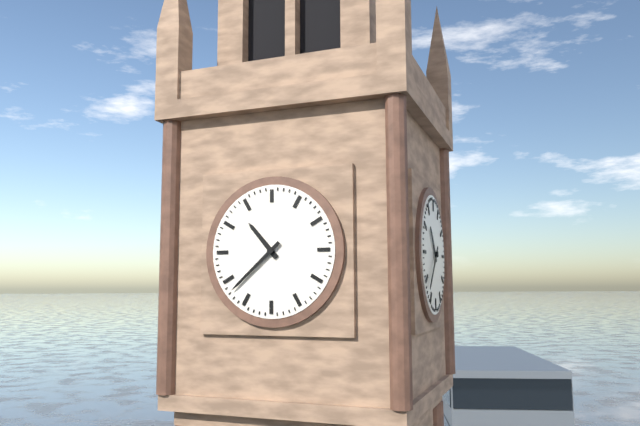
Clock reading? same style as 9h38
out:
10h38
